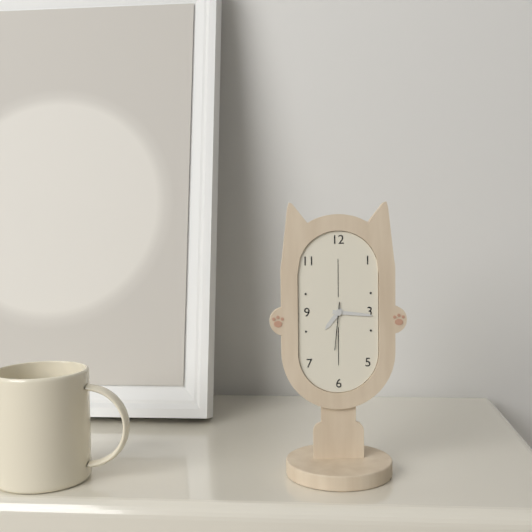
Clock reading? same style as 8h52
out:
7h16
